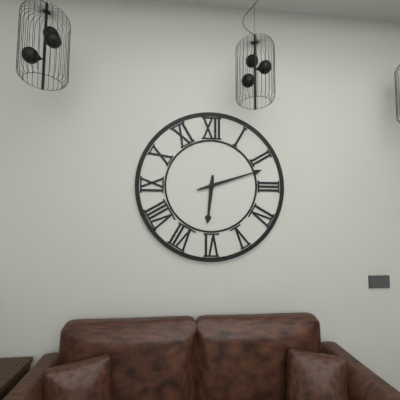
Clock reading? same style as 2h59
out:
6h12
